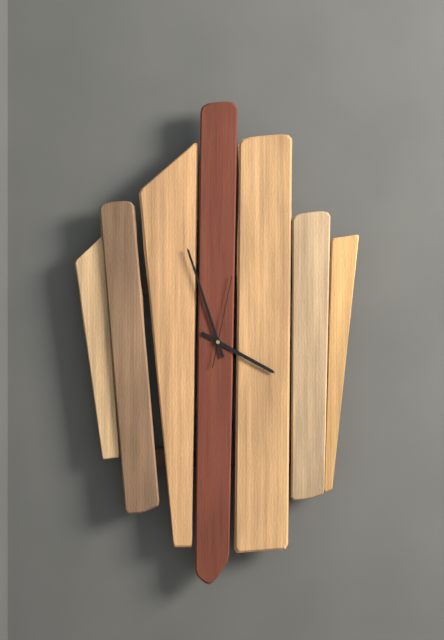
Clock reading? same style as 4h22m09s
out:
3h57m02s
